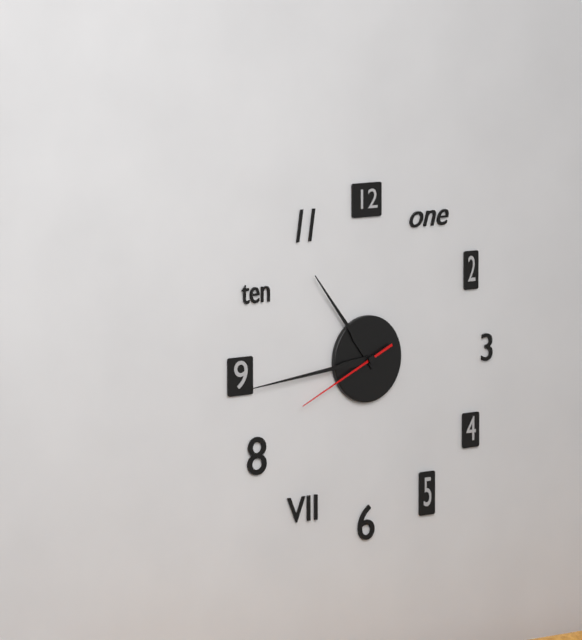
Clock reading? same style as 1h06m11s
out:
10h44m41s
